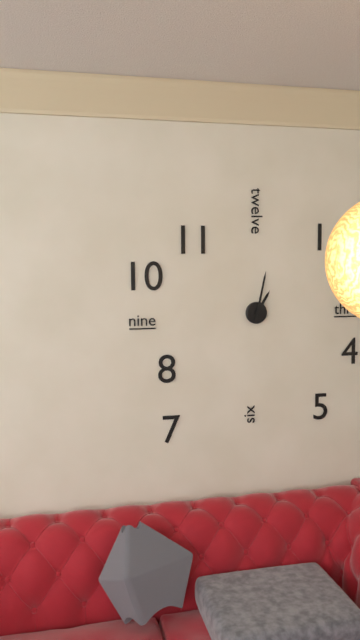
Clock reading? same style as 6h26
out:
1h02
